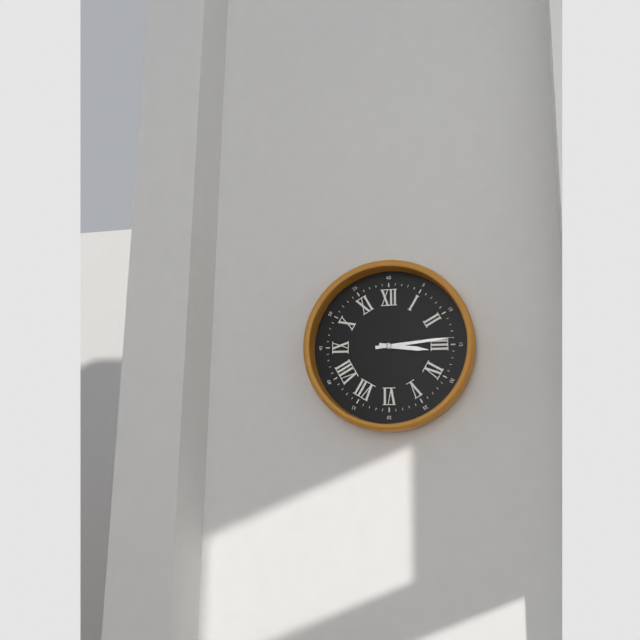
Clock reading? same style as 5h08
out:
3h14
